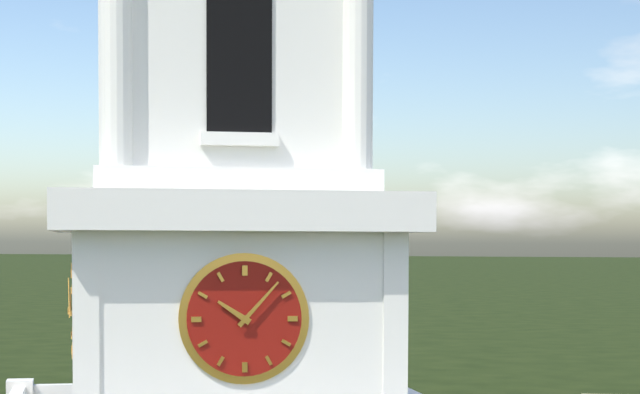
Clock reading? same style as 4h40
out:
10h07
